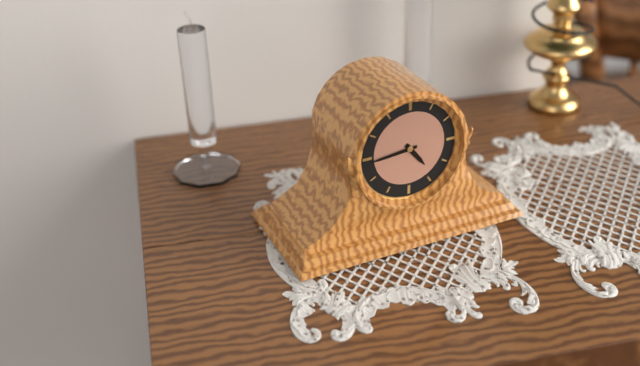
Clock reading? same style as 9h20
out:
4h44
